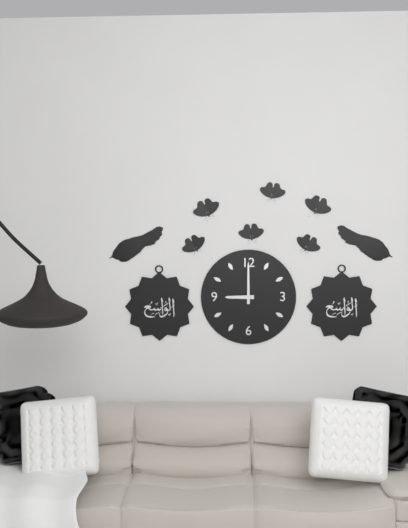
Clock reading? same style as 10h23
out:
9h00
